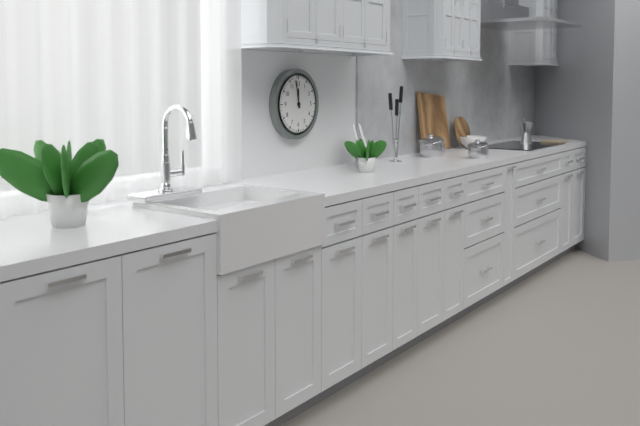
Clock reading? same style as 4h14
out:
11h58
